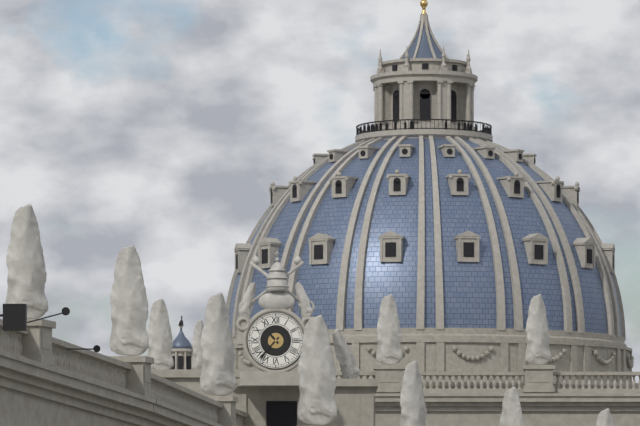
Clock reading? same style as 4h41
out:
10h37
